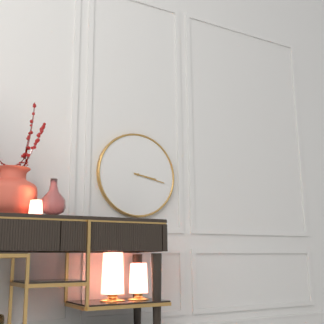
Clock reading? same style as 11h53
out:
3h17
